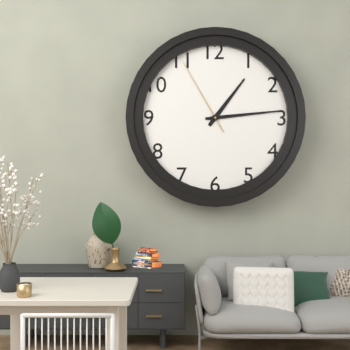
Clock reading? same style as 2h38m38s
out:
1h14m55s
